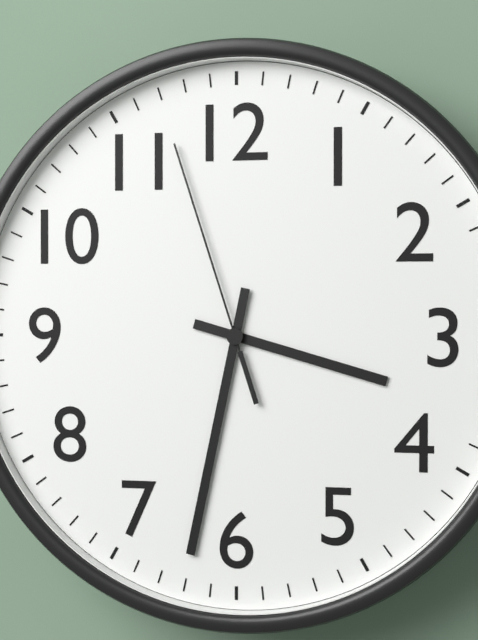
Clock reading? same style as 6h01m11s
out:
3h32m57s
